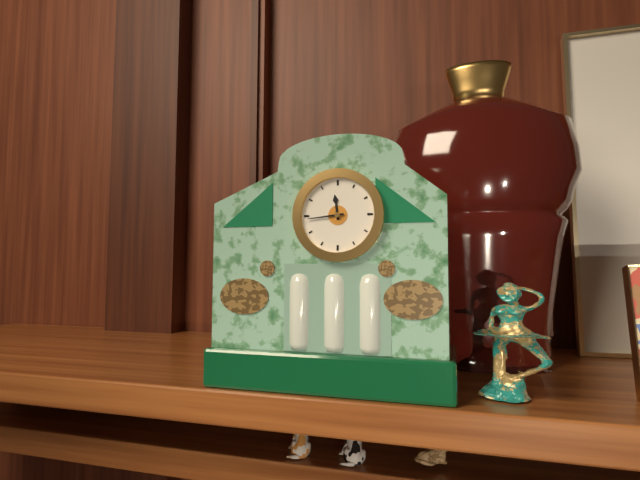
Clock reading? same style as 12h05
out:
11h44
